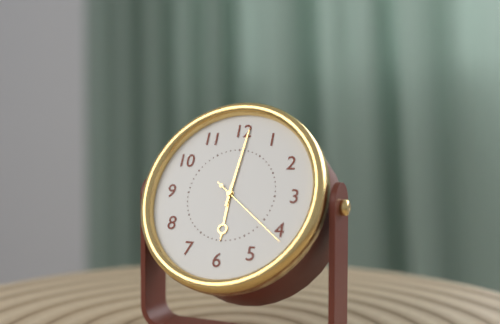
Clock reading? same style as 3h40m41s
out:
6h01m21s
